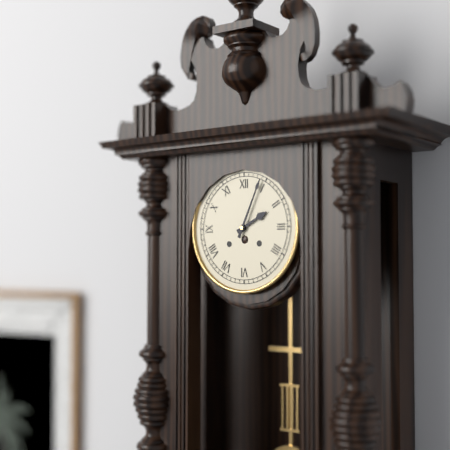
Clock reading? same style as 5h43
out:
2h04
